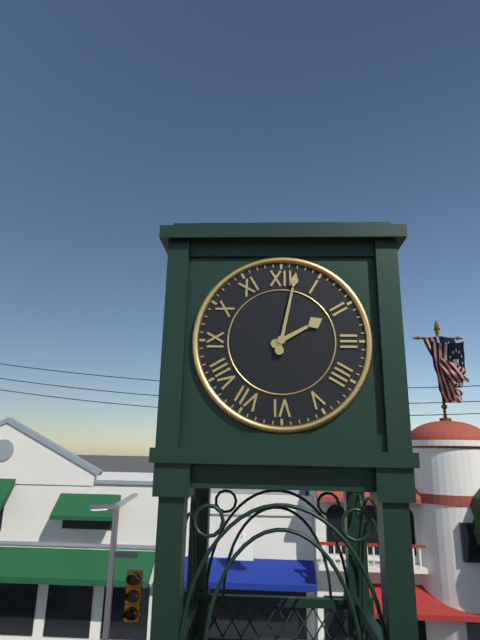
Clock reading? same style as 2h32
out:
2h02
